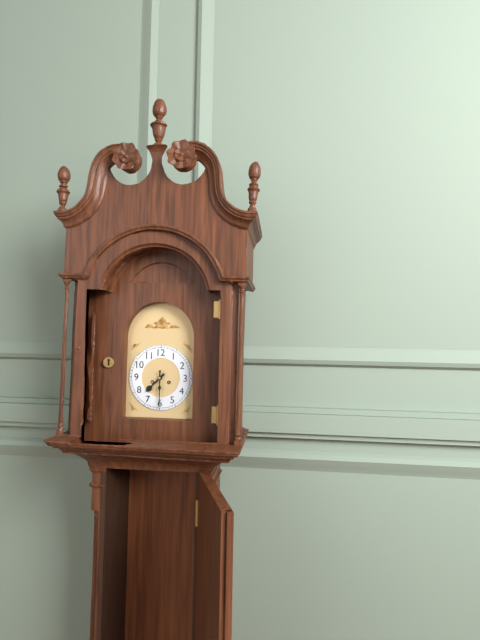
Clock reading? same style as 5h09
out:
7h30
